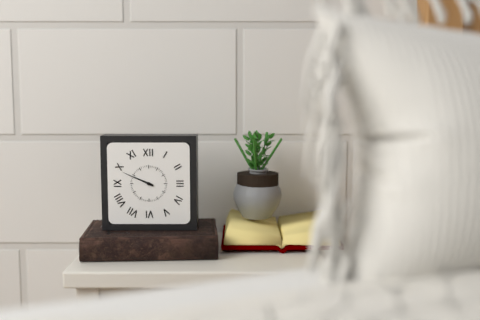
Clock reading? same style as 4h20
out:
9h49
